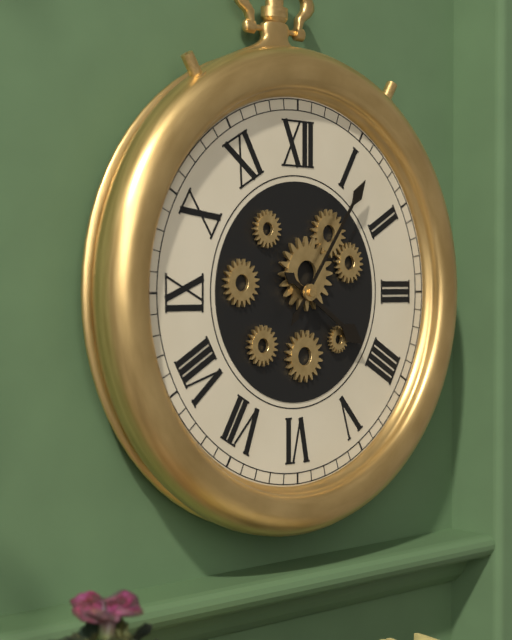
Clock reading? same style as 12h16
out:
4h06
